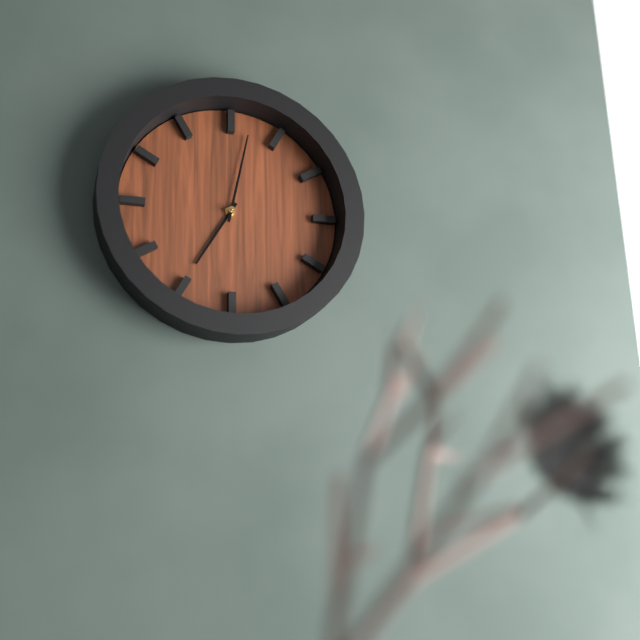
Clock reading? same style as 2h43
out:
7h02
